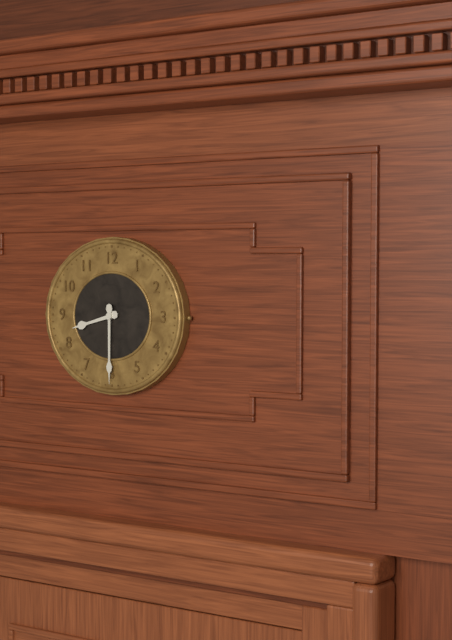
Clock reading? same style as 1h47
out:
8h30
